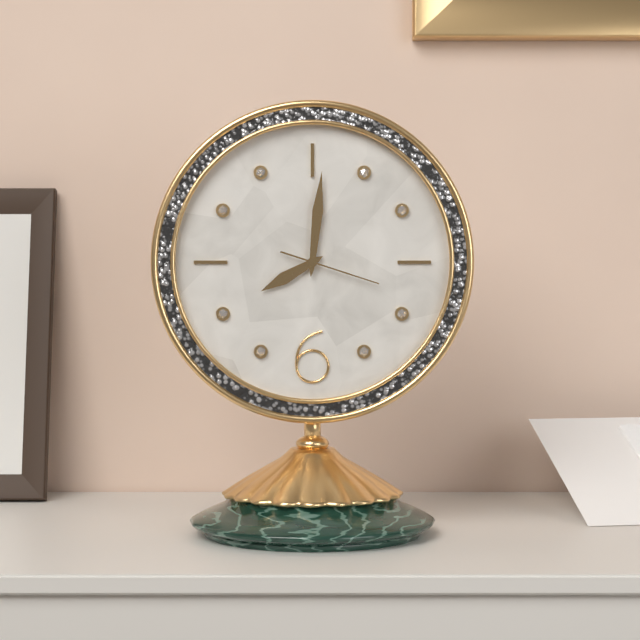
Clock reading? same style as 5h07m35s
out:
8h01m18s
